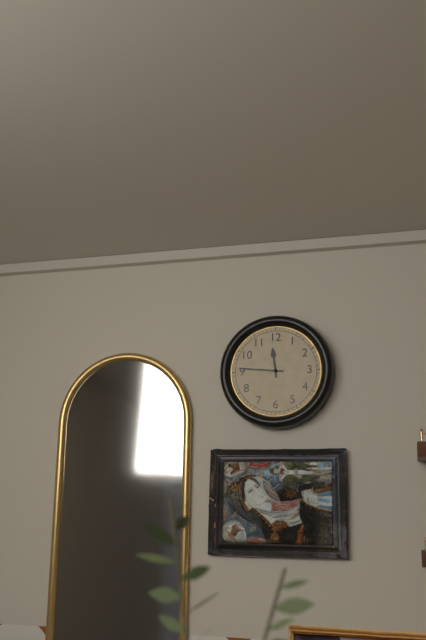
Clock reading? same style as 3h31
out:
11h46
